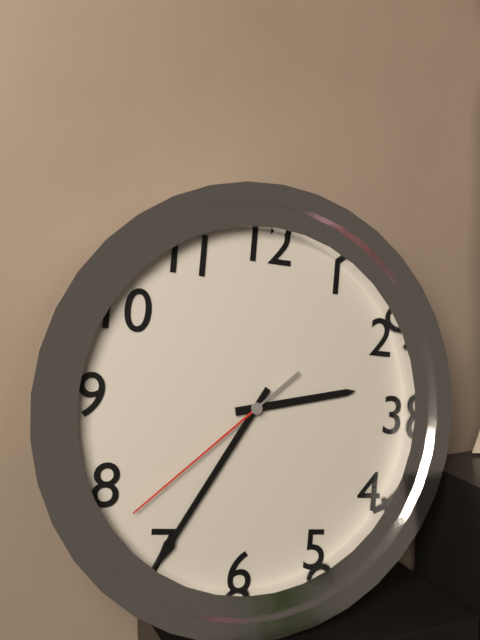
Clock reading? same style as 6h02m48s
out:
2h35m38s
